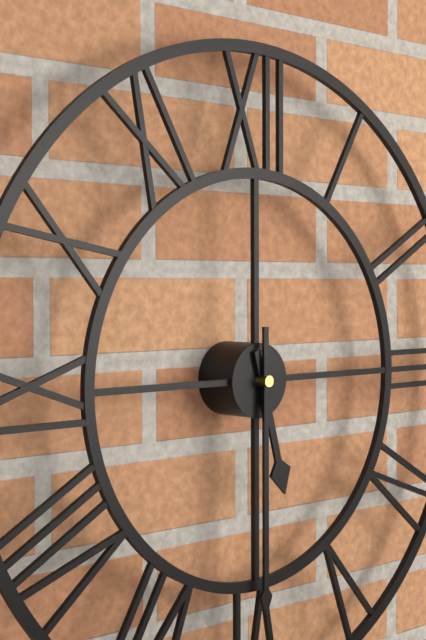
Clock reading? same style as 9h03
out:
5h30
